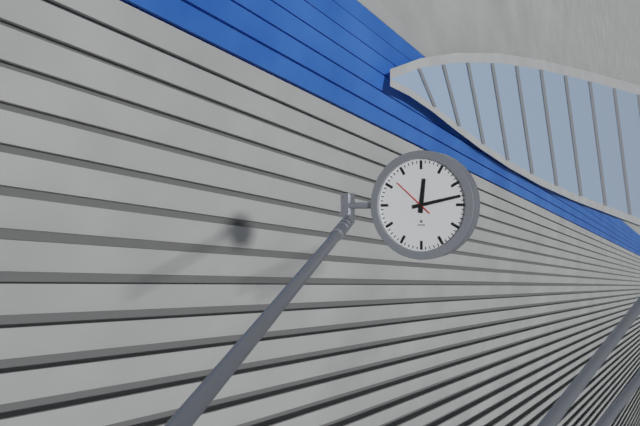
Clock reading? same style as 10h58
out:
12h13
